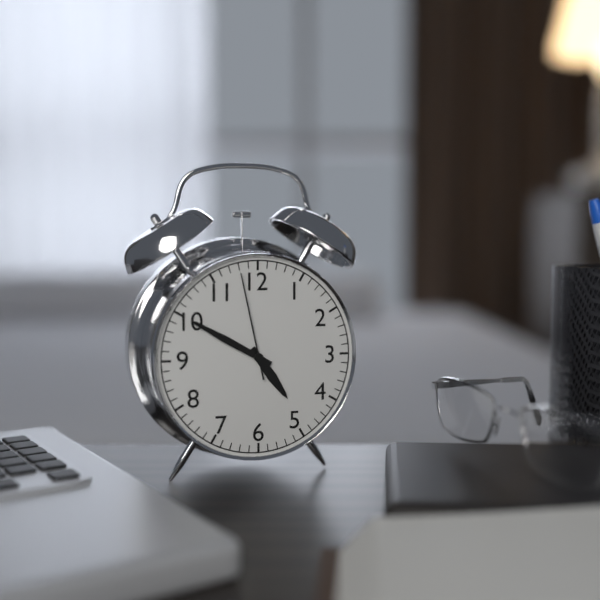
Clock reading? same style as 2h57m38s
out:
4h50m58s
